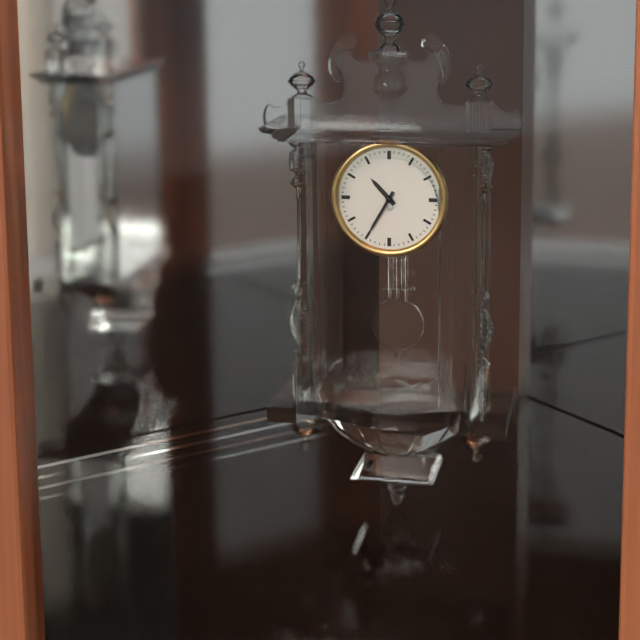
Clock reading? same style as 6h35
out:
10h35
